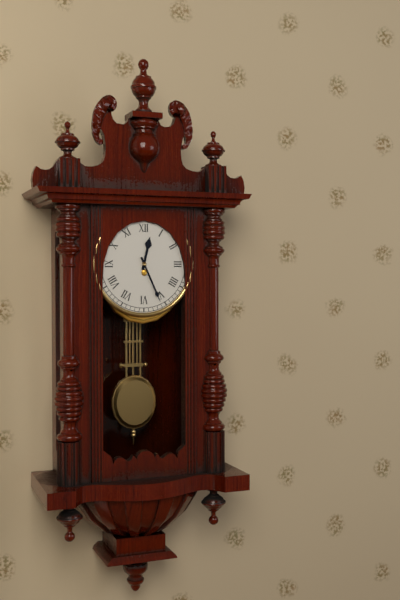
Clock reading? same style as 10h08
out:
12h26
